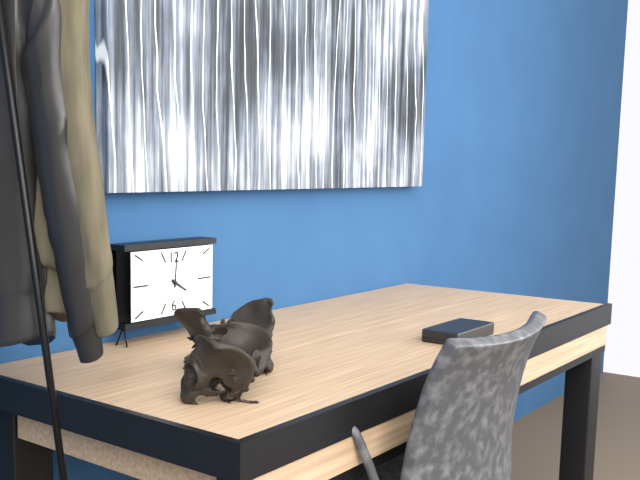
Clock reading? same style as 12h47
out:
4h01
